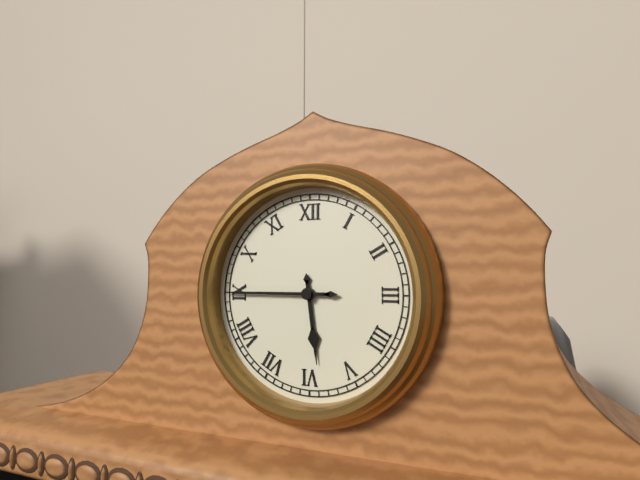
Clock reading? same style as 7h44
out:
5h45
